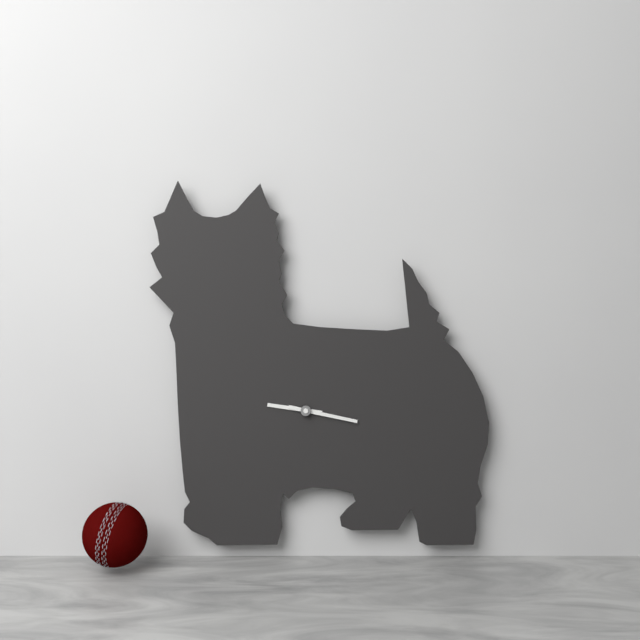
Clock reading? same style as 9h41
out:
9h17
